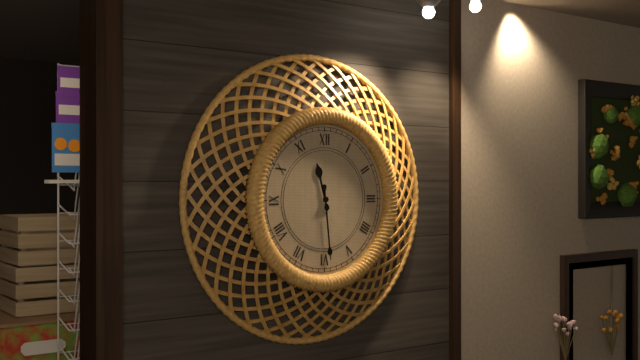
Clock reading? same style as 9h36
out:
11h29
